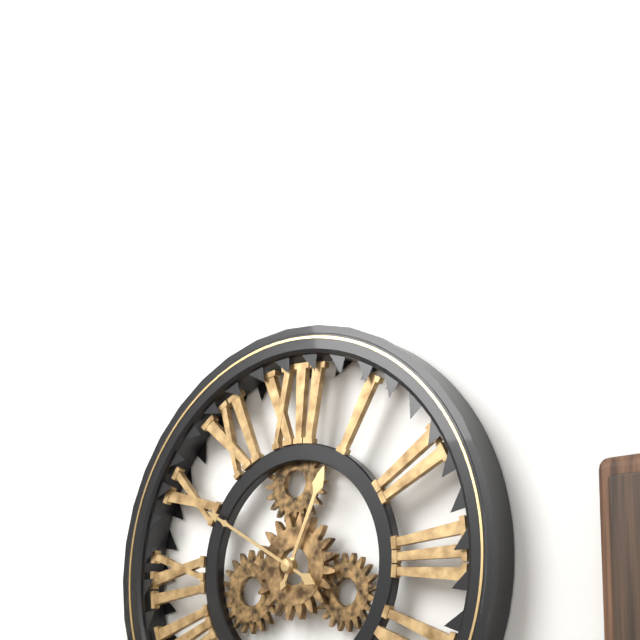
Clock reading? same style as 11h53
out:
12h50
